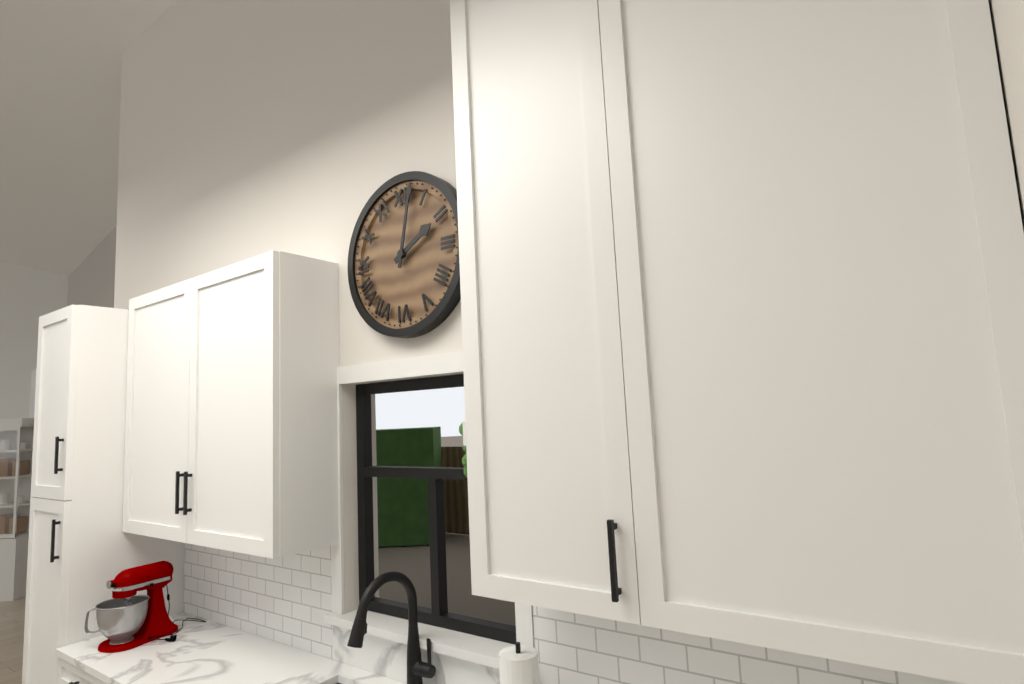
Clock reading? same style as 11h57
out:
2h02
